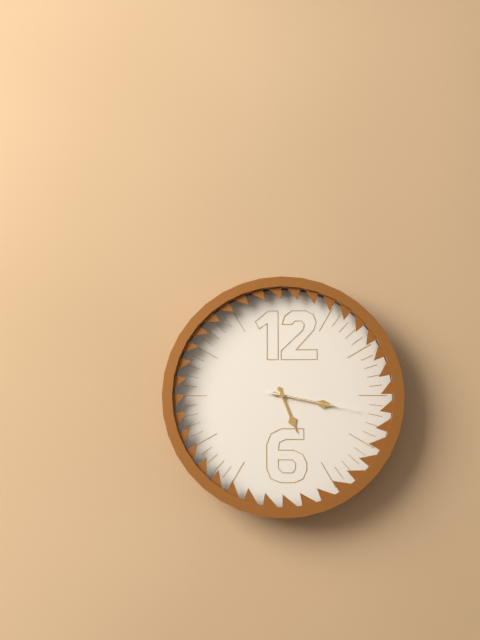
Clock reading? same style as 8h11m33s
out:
5h17m17s
